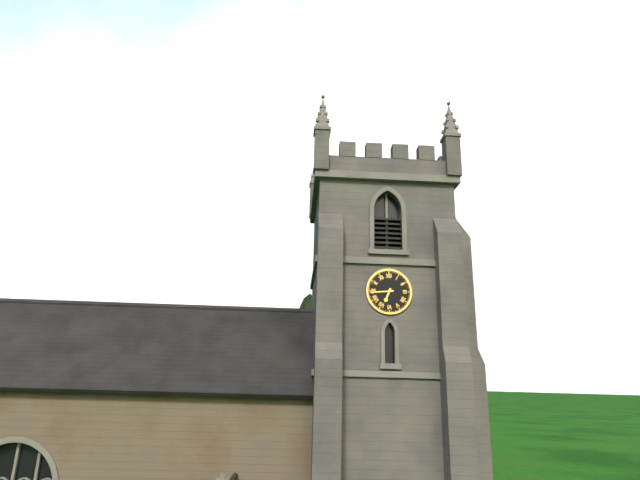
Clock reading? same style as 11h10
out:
6h44
